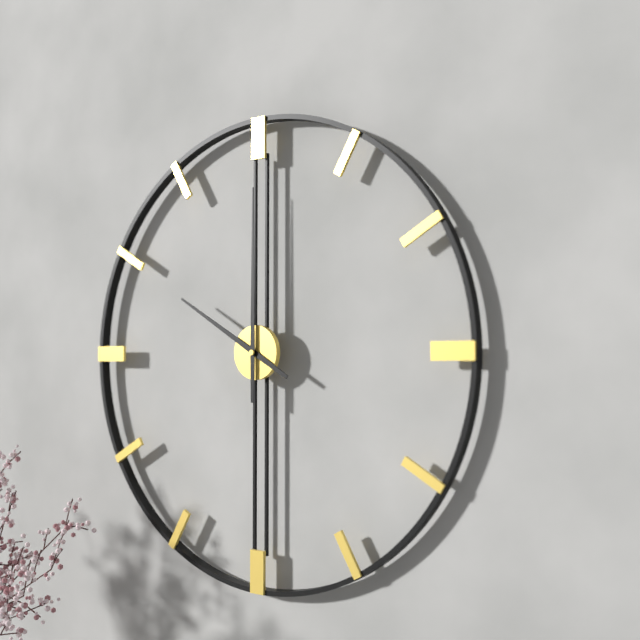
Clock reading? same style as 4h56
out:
10h00
